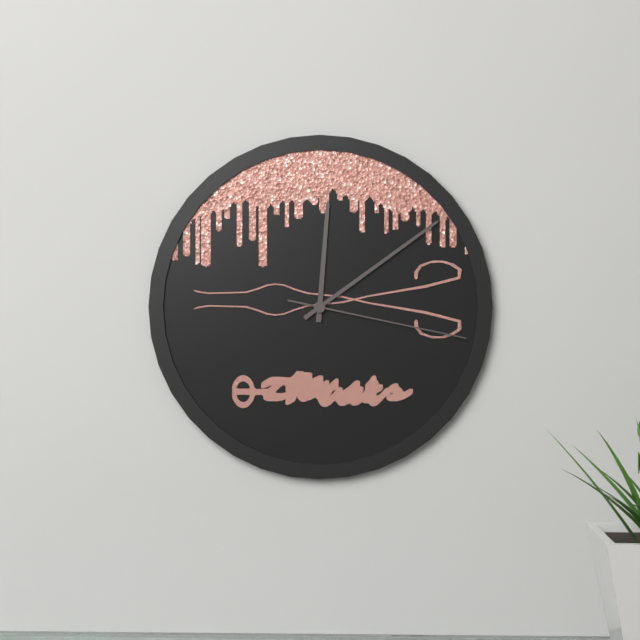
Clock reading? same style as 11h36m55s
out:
12h09m17s
